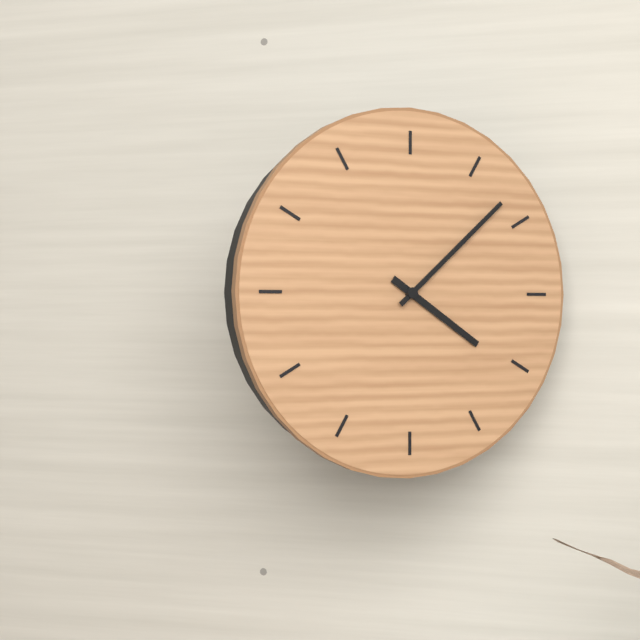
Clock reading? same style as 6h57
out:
4h08
